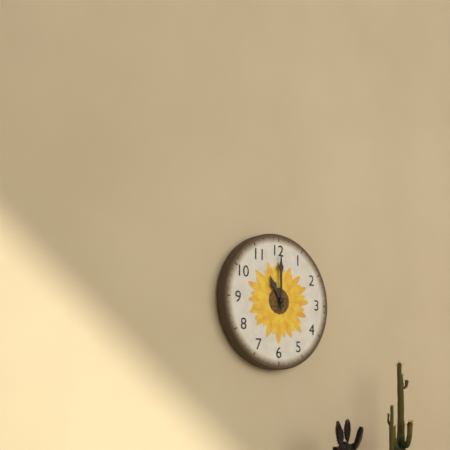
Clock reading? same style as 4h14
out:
11h00
